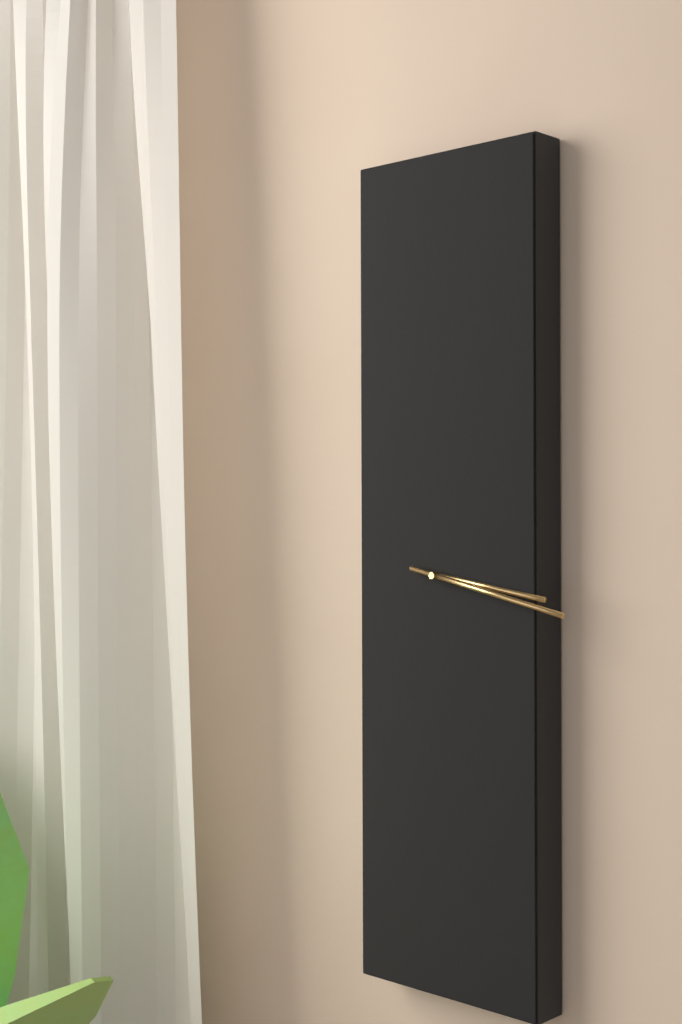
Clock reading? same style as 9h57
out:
3h17
